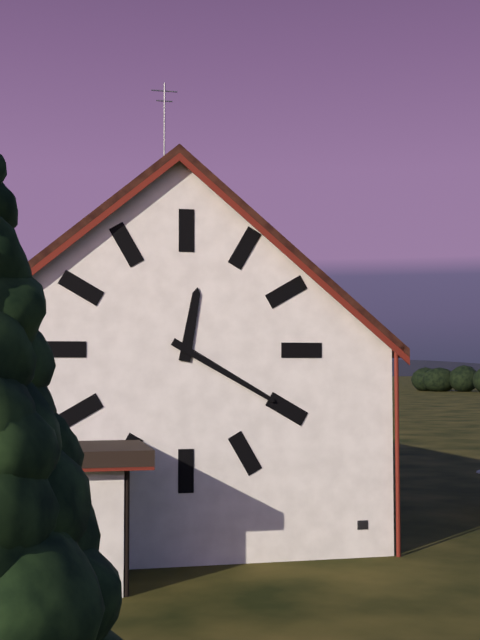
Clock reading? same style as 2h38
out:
12h20
